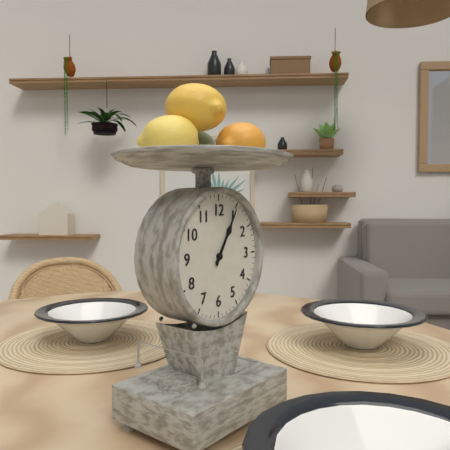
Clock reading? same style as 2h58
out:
1h05
